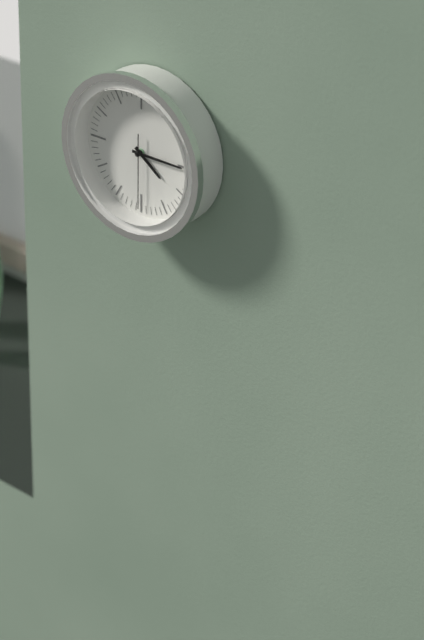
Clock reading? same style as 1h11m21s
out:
4h15m30s
